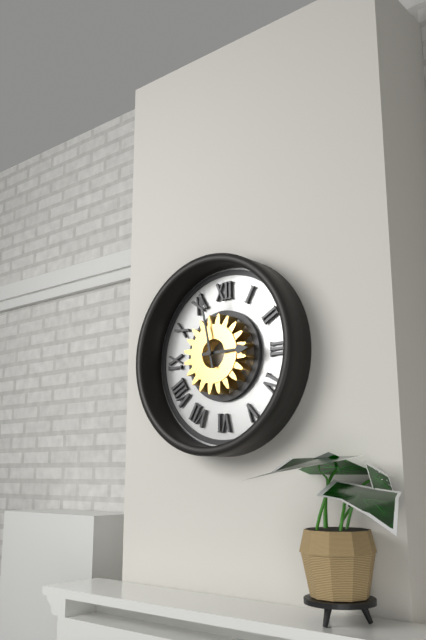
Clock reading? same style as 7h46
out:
2h58
